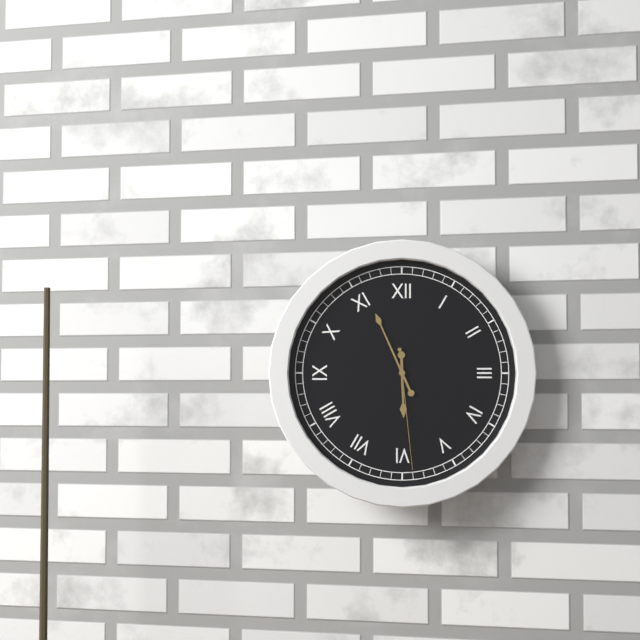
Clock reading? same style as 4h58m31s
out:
5h56m29s
